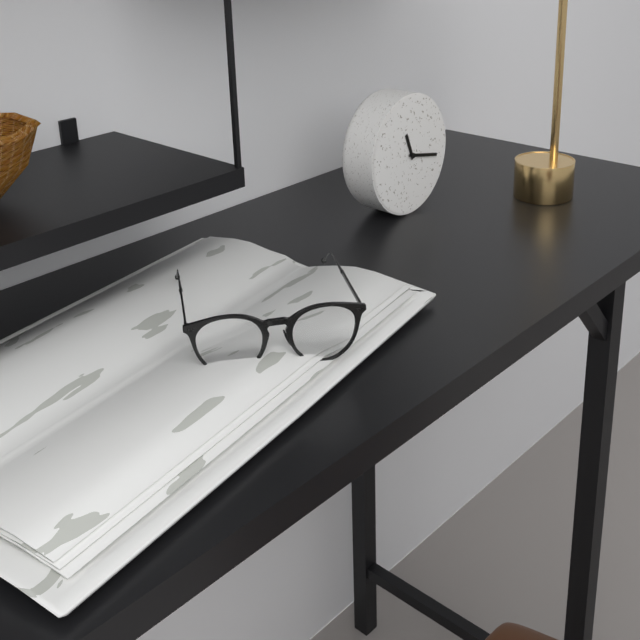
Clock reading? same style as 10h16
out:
11h17
